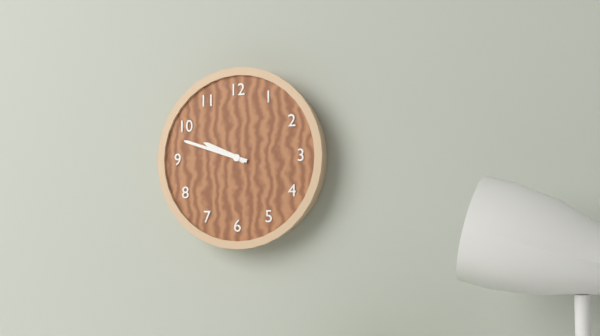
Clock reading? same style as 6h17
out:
9h48
